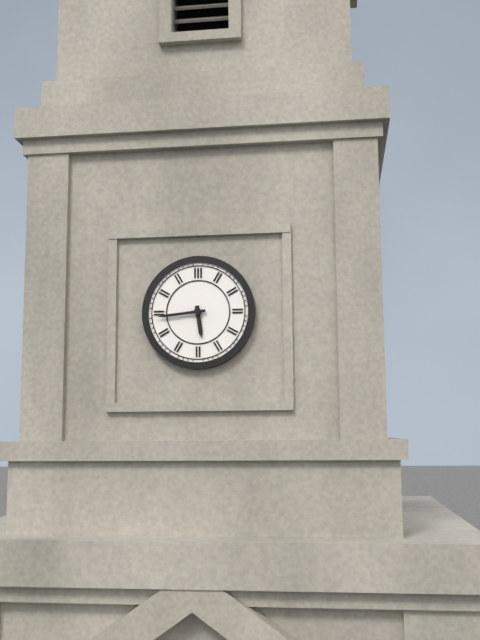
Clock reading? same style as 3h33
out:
5h44
